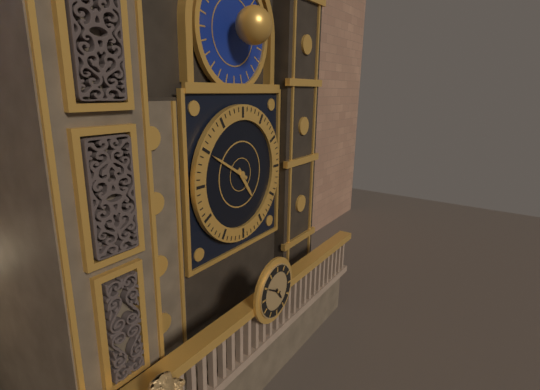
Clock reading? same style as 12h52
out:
4h50
